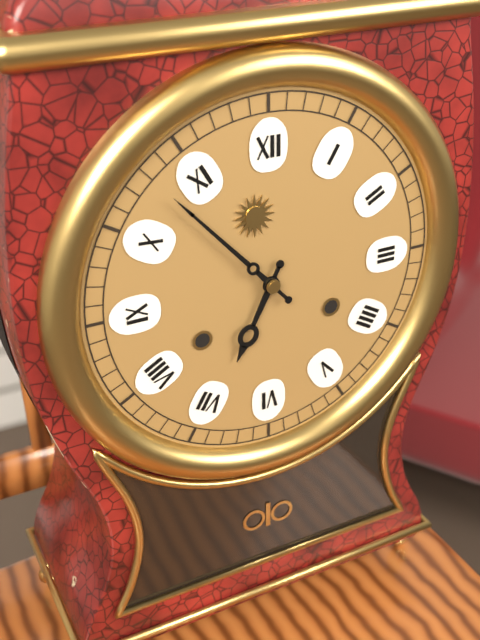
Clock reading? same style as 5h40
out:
6h53
